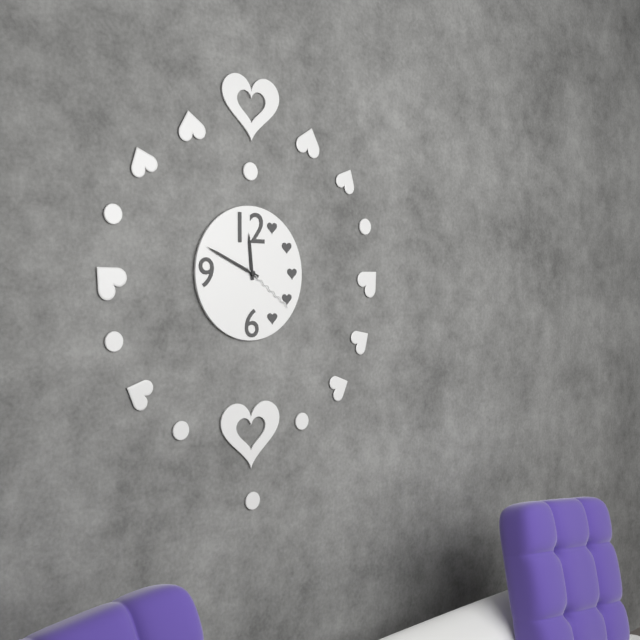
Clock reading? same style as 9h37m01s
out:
11h49m21s
